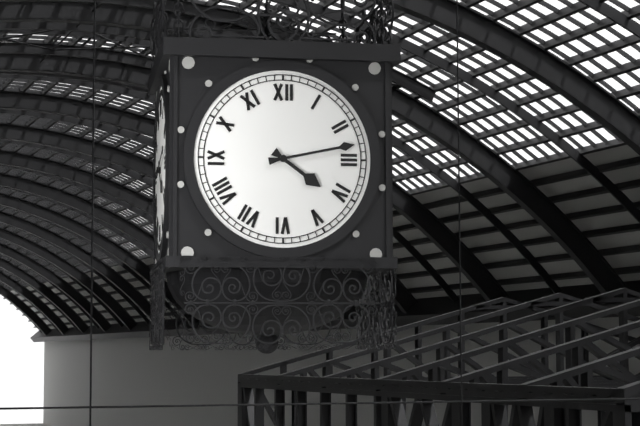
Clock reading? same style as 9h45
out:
4h13
